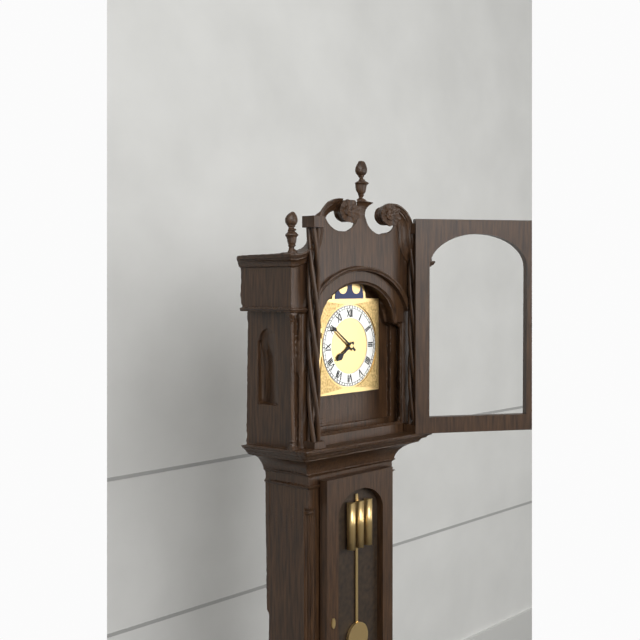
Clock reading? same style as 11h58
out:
7h51
